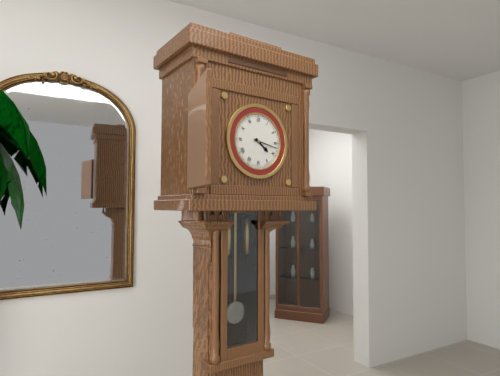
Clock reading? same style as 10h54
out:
4h17
